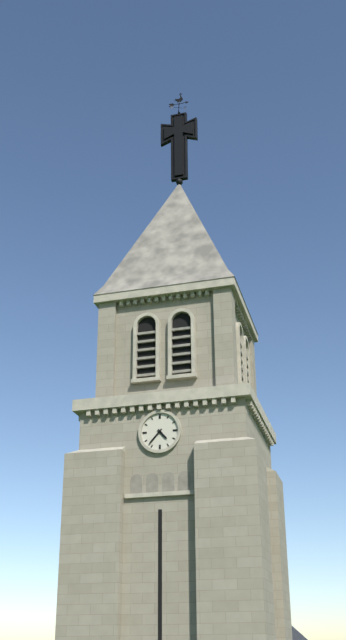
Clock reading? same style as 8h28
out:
4h37
